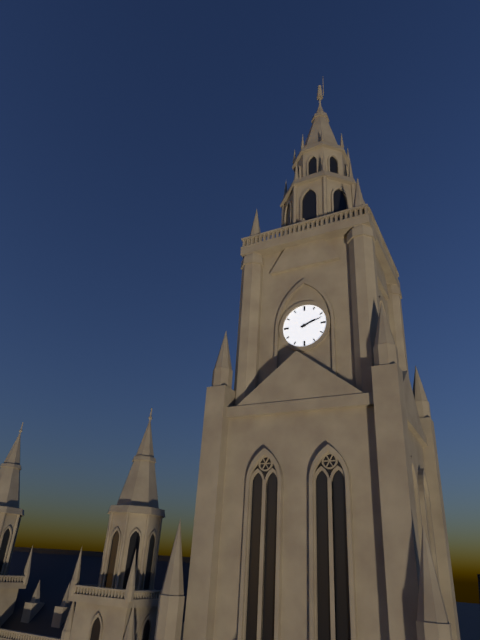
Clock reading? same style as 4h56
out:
2h12
